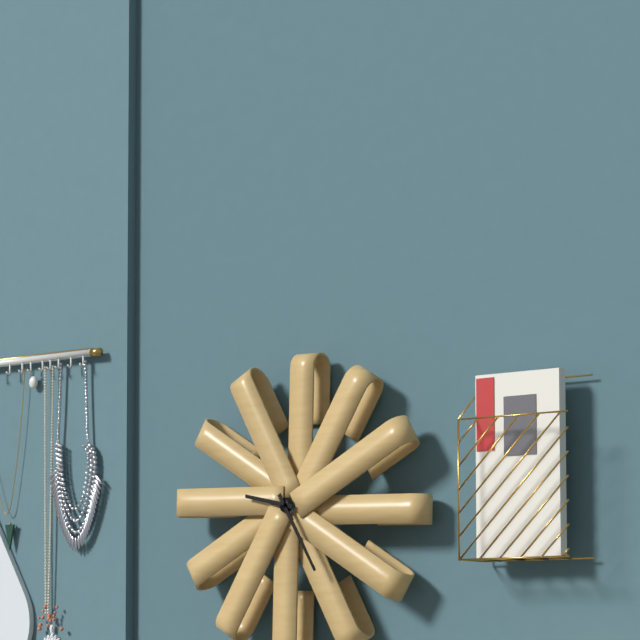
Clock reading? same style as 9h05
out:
9h25
